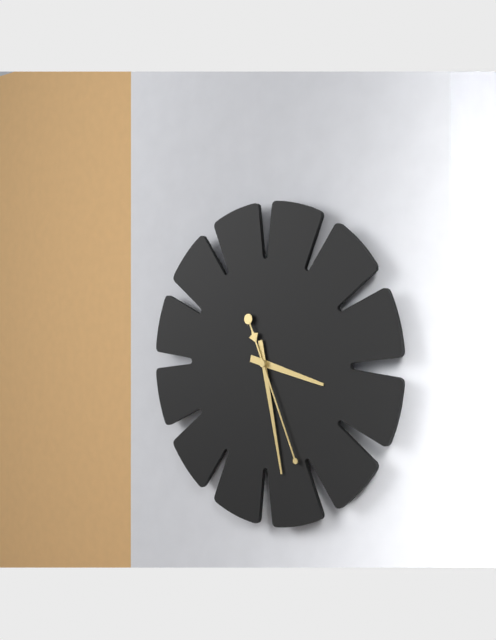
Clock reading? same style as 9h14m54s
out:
3h28m26s
